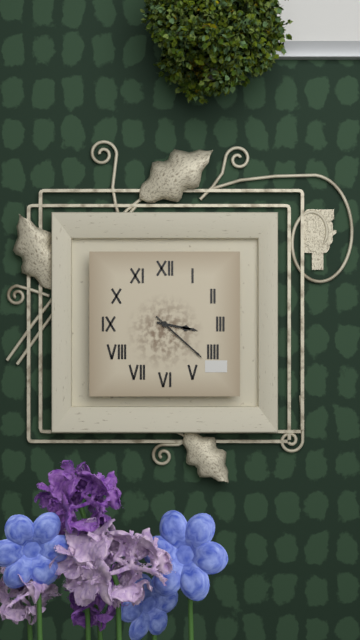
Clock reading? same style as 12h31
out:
3h22
